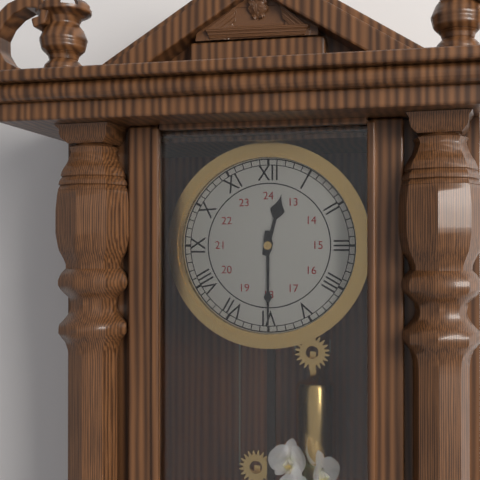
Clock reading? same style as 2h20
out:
12h30
